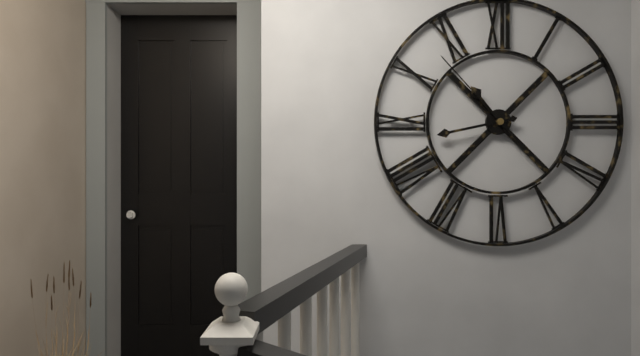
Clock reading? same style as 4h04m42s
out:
10h43m53s
